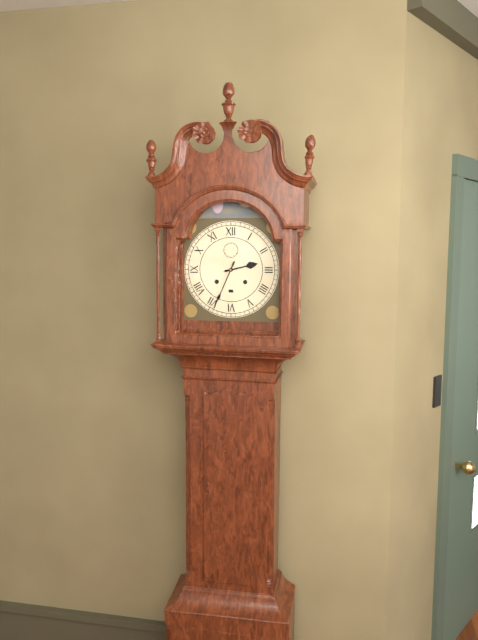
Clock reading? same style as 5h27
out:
2h34
